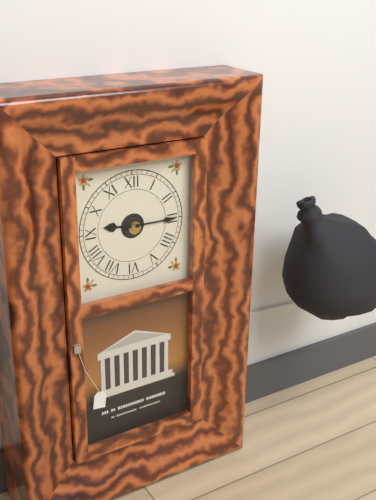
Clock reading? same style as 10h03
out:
9h15
